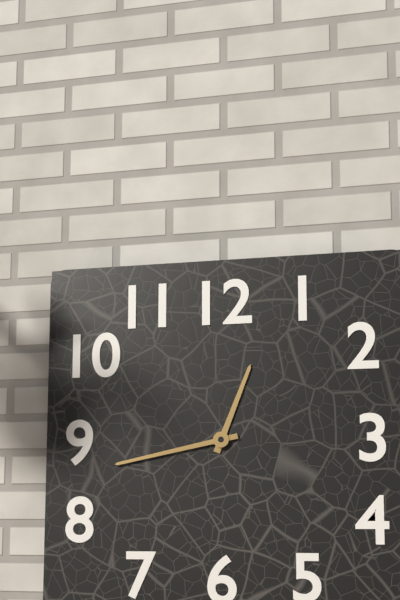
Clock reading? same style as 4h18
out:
12h43
